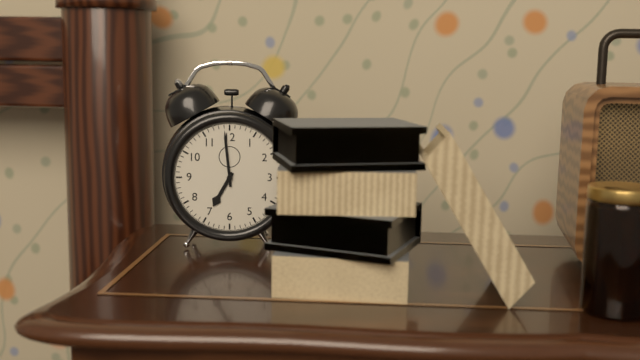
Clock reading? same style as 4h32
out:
6h59
